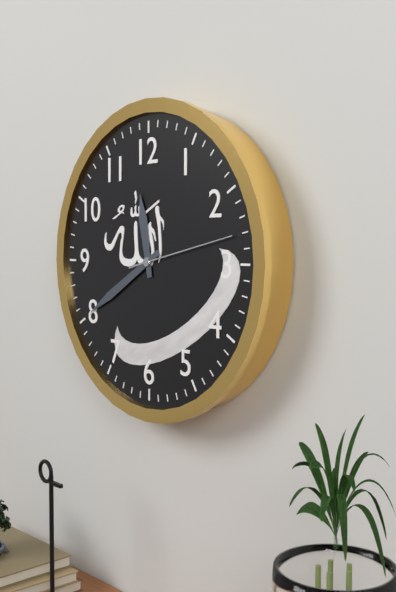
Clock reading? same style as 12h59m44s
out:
11h40m13s
